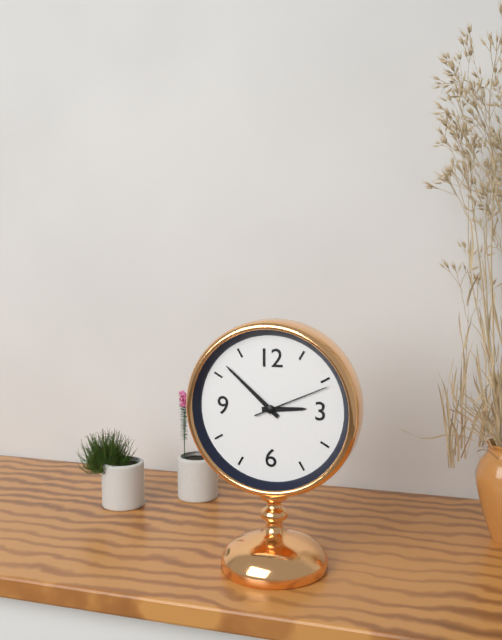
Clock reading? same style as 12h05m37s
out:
2h52m11s
